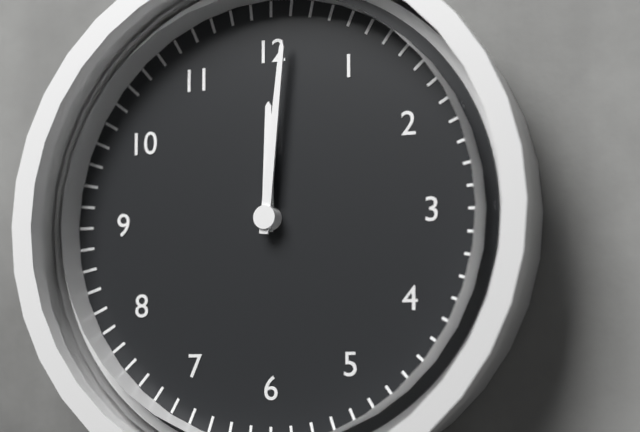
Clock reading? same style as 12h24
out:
12h01
